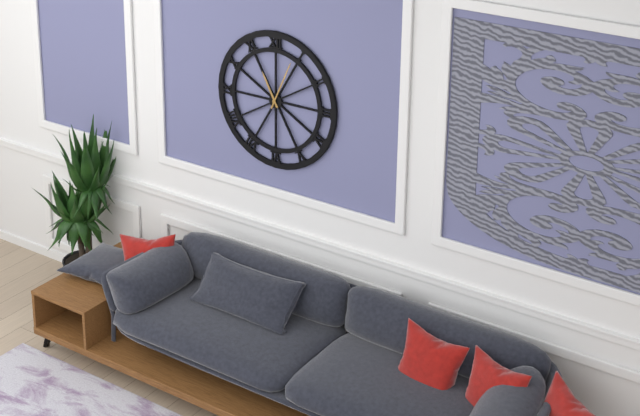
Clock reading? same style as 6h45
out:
11h04
